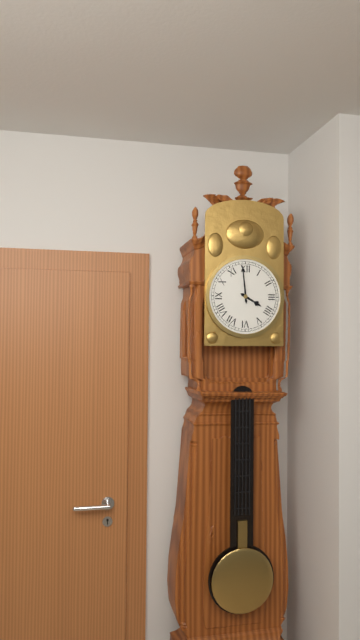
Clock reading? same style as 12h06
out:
3h59
